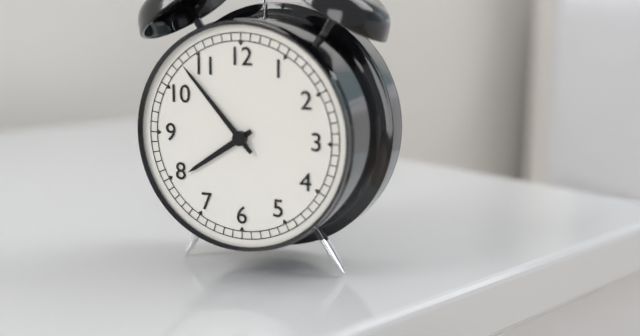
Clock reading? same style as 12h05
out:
7h53
